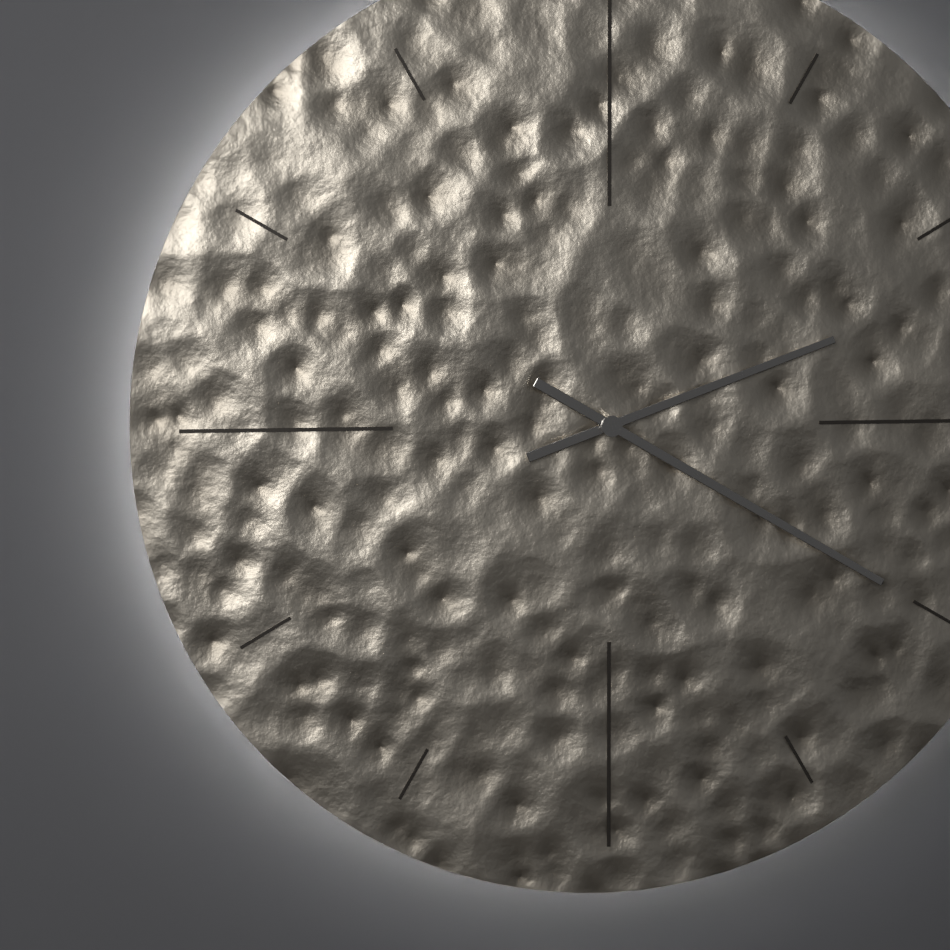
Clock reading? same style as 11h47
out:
2h20
